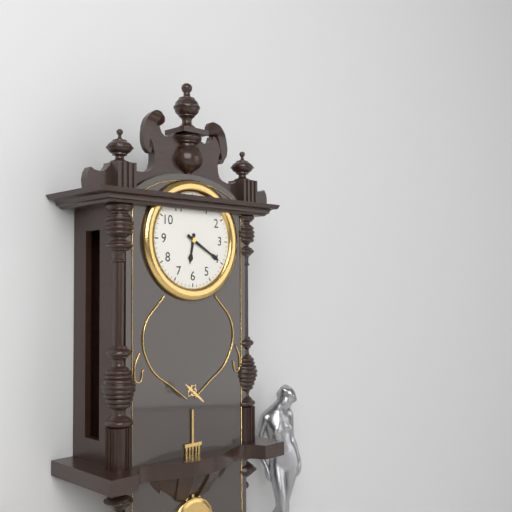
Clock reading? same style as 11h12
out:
6h20
